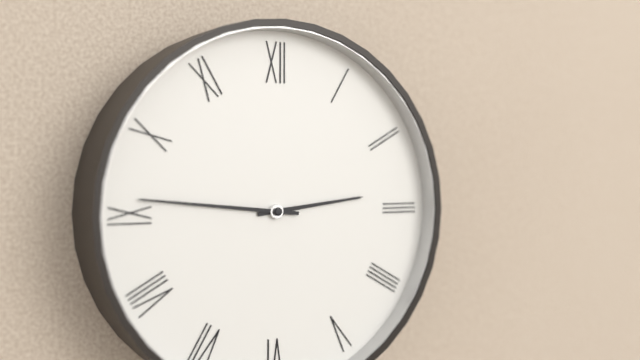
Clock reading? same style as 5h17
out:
2h46
